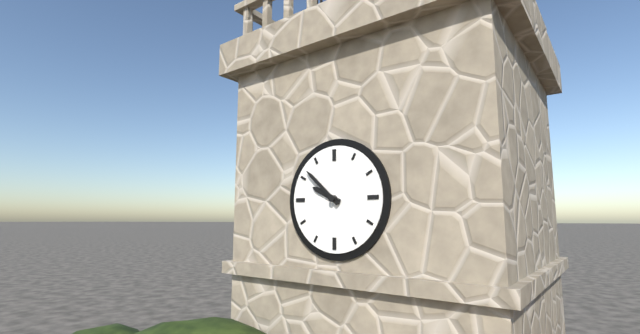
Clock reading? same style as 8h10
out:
9h52
